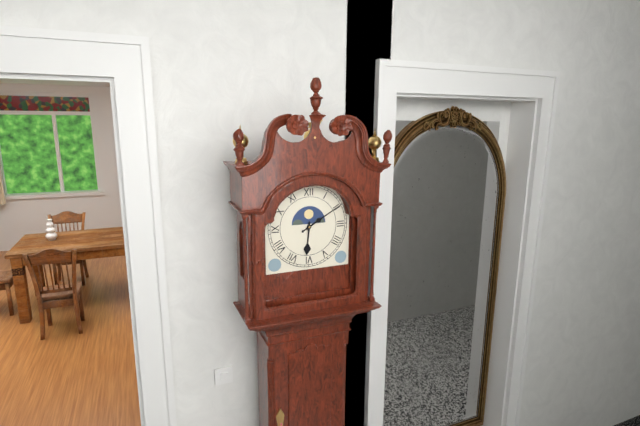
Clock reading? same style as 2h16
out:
6h10
